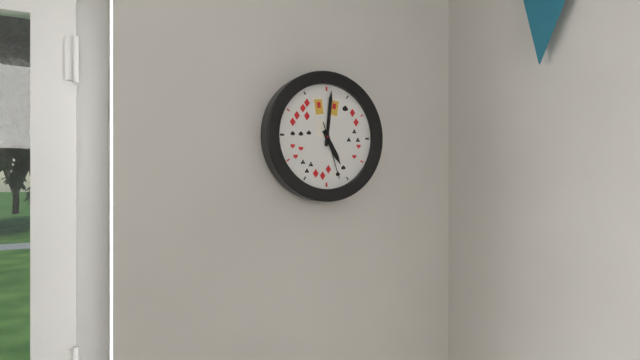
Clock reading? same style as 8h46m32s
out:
5h01m27s
